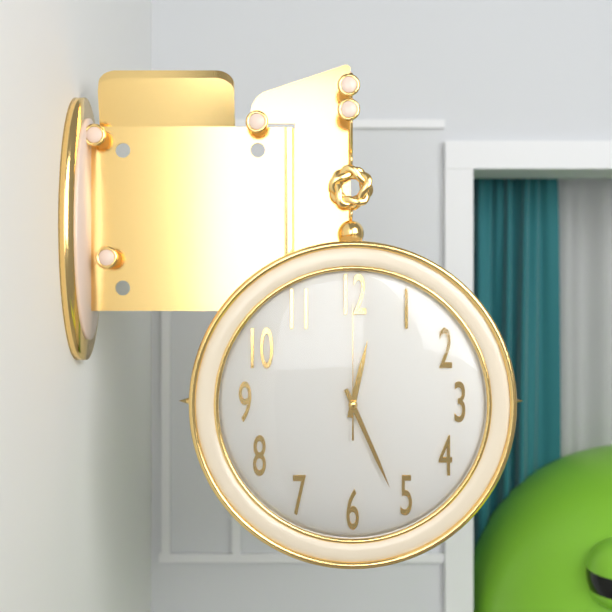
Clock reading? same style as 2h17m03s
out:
12h26m00s
